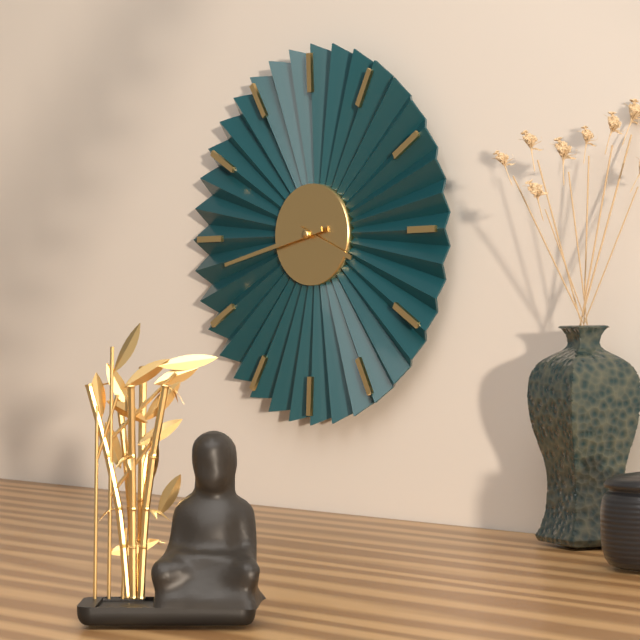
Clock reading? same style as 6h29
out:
3h43
